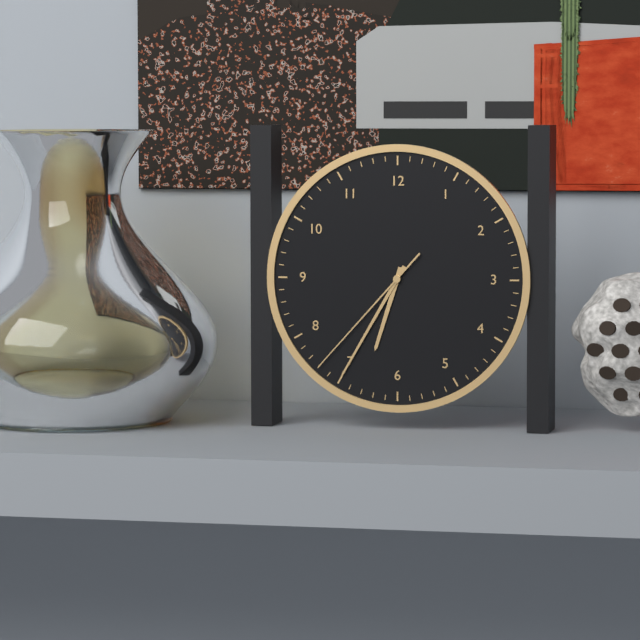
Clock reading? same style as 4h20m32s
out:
6h35m37s
